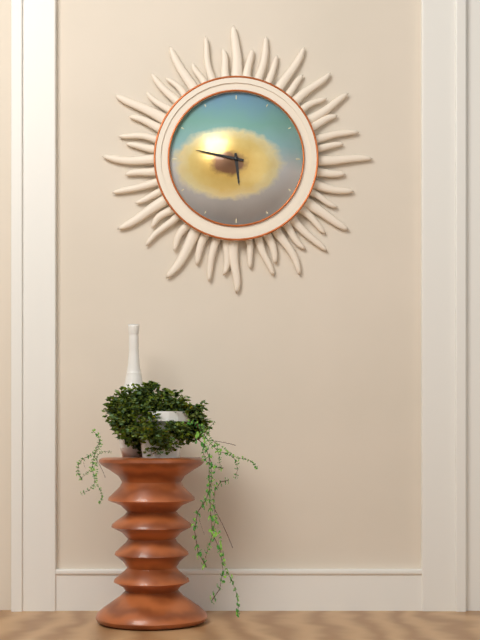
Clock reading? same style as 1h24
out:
5h47
